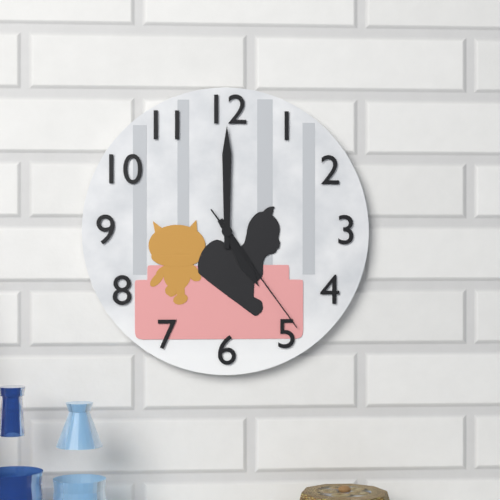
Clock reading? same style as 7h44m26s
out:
5h00m24s
